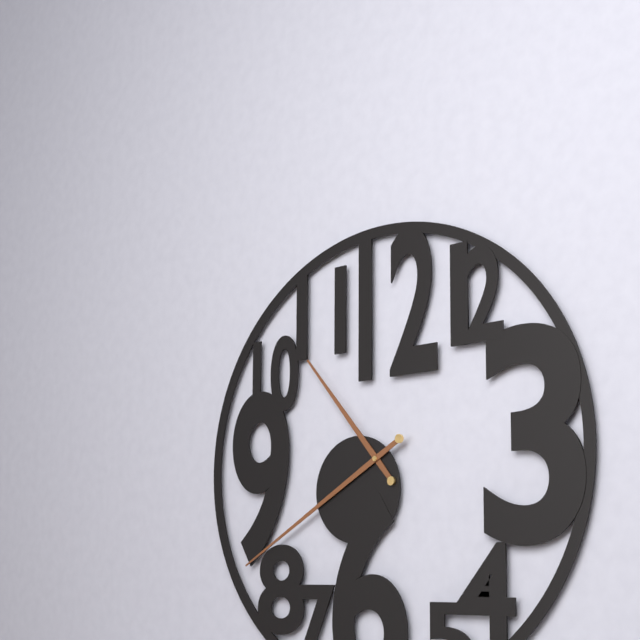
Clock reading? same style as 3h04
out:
10h40
